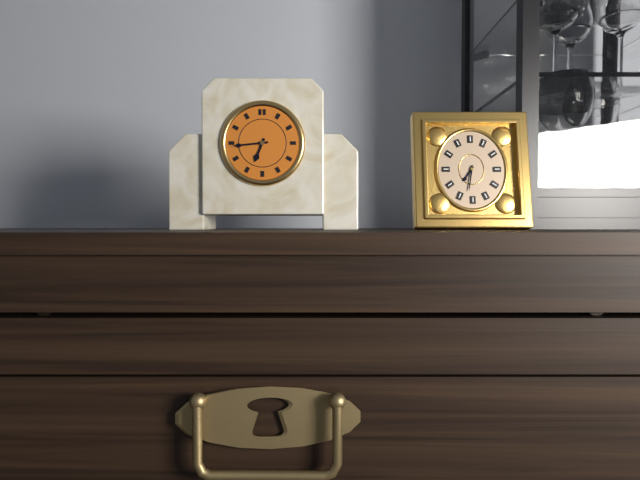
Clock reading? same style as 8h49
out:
6h44
